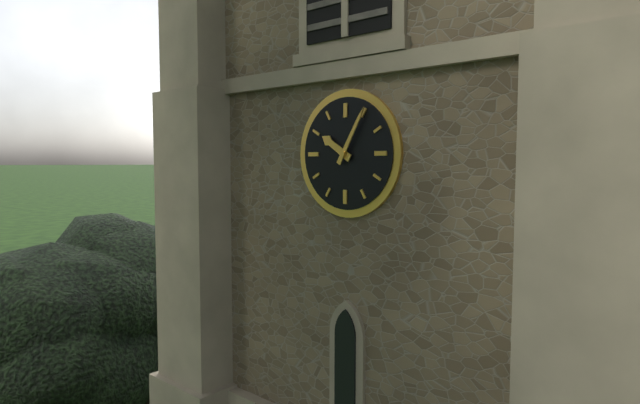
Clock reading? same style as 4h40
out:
10h05
